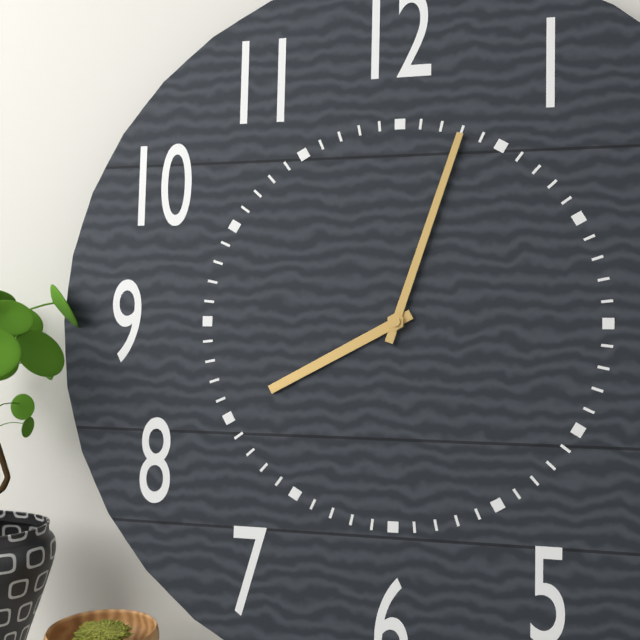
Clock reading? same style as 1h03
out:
8h03
